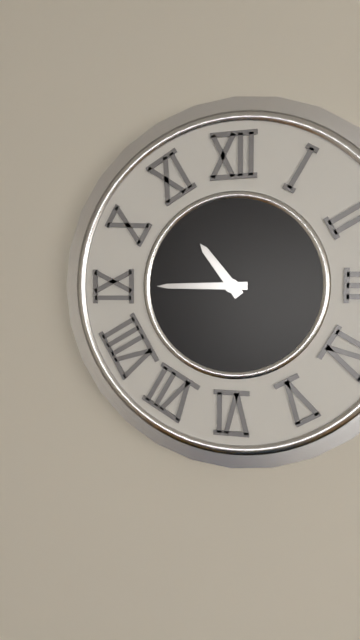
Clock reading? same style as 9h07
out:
10h45
